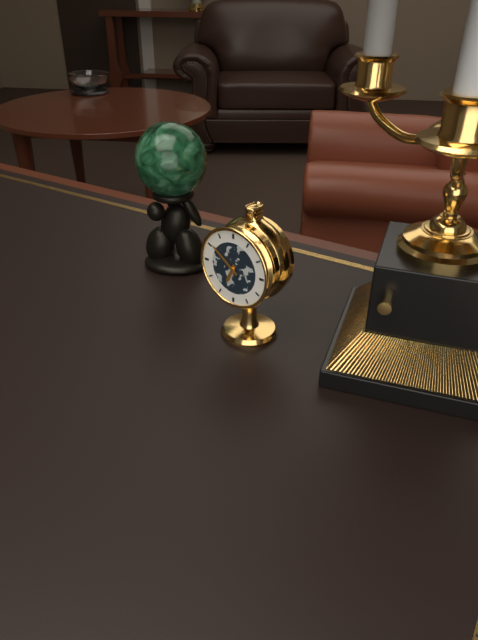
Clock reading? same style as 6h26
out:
6h51
